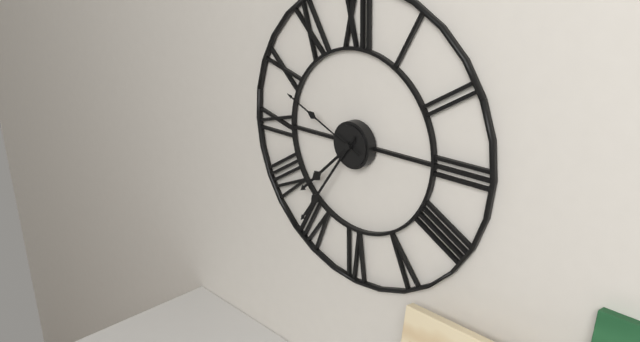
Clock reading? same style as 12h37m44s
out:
7h36m49s
